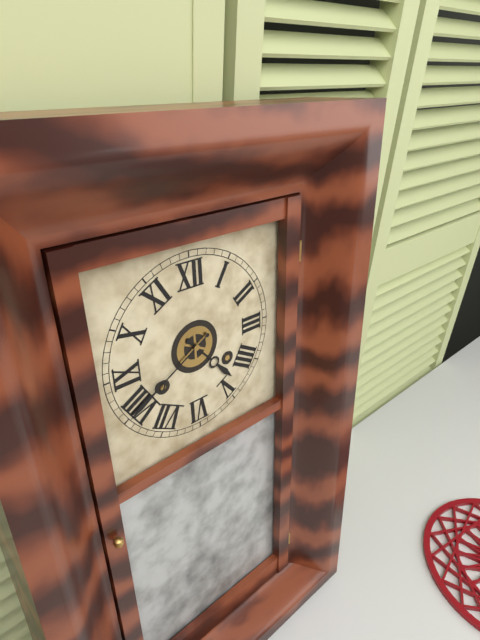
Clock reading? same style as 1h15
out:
4h40
